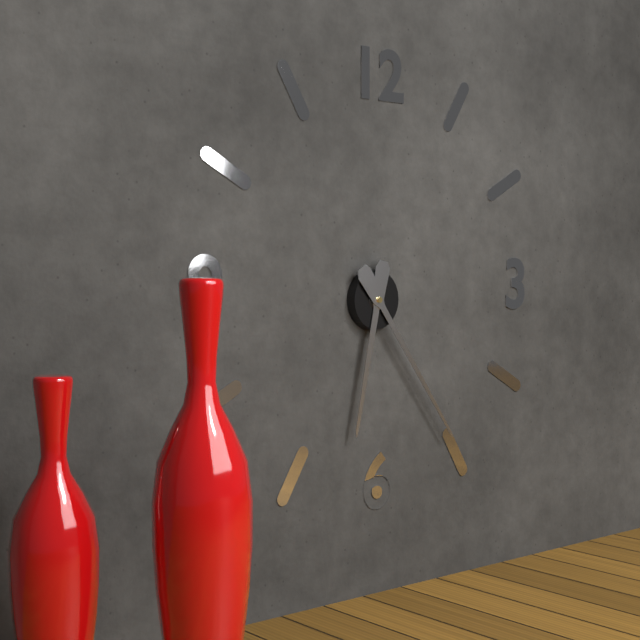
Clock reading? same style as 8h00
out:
6h24
